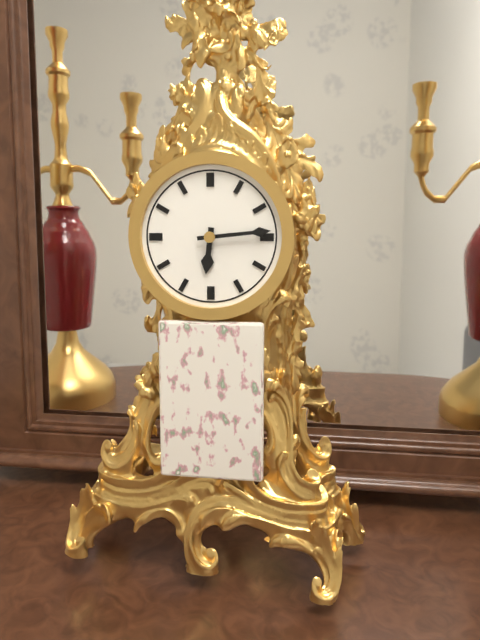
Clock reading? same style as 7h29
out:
6h14
